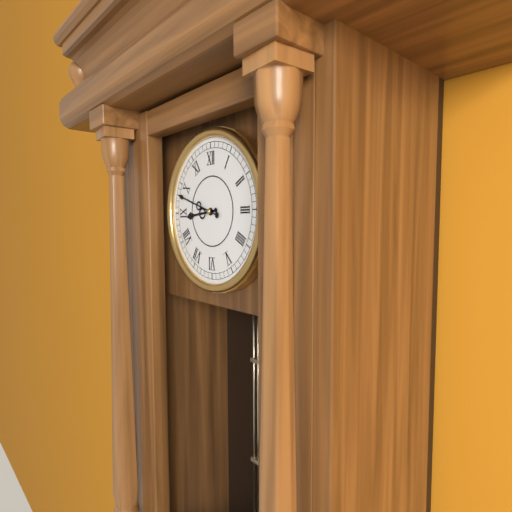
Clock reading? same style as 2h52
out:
8h48
